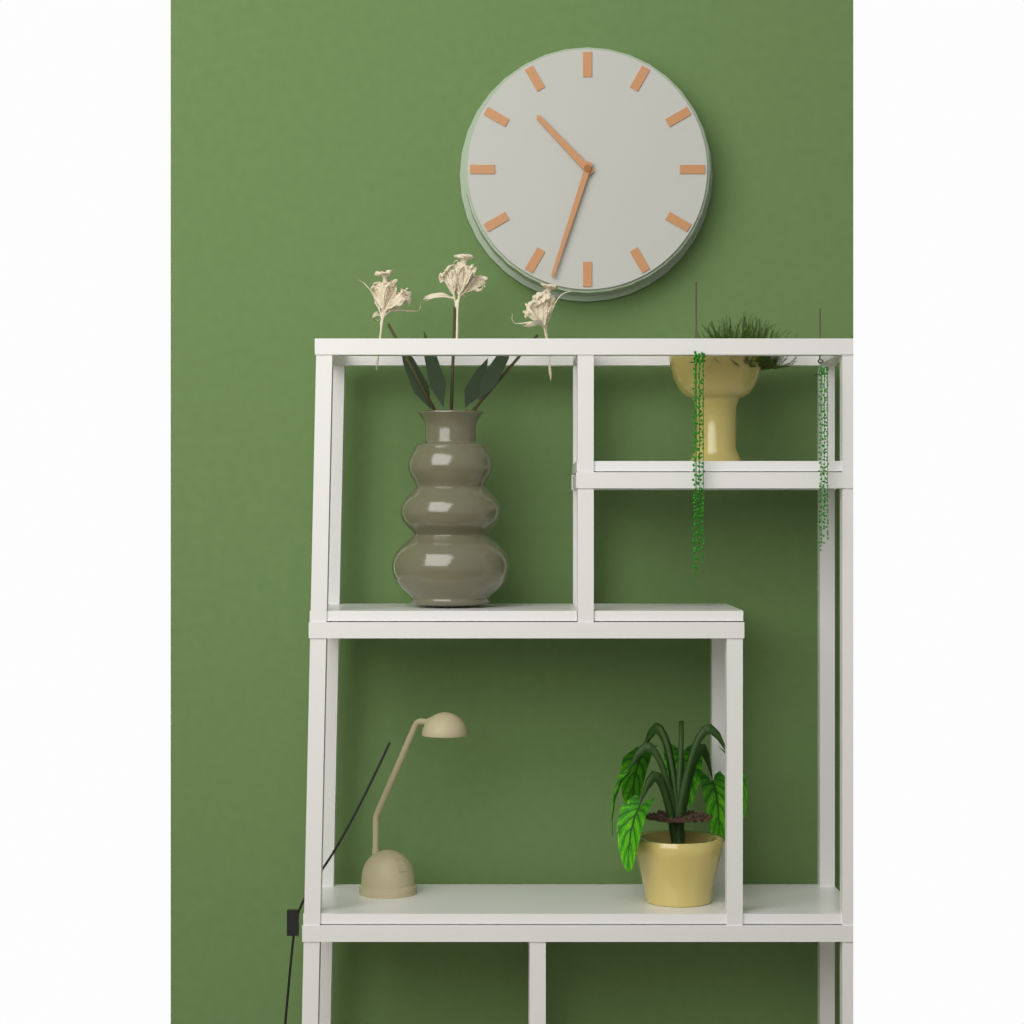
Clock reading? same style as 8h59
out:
10h33
